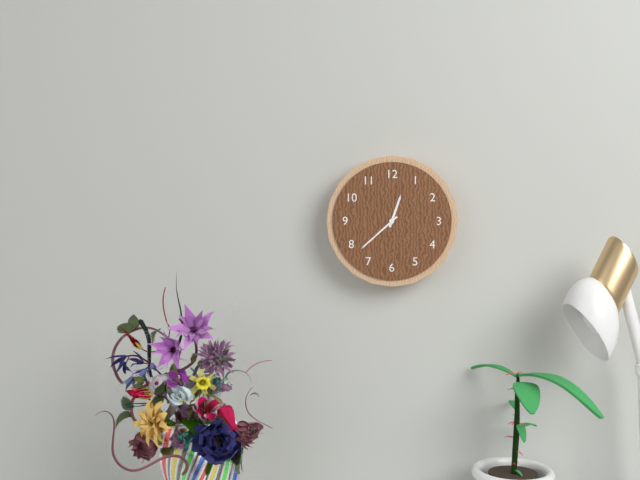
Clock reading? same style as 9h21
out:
12h38
